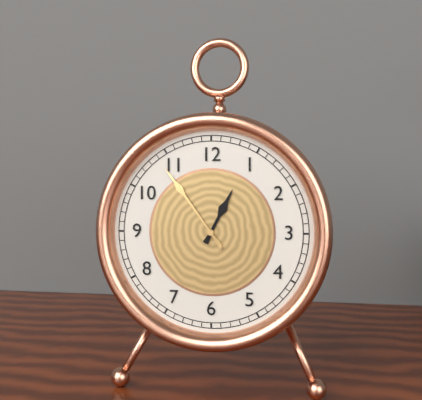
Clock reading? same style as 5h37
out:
12h54
